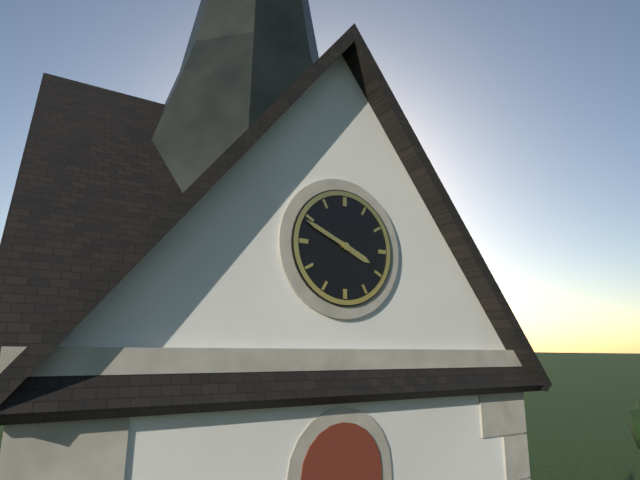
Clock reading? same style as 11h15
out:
3h49
